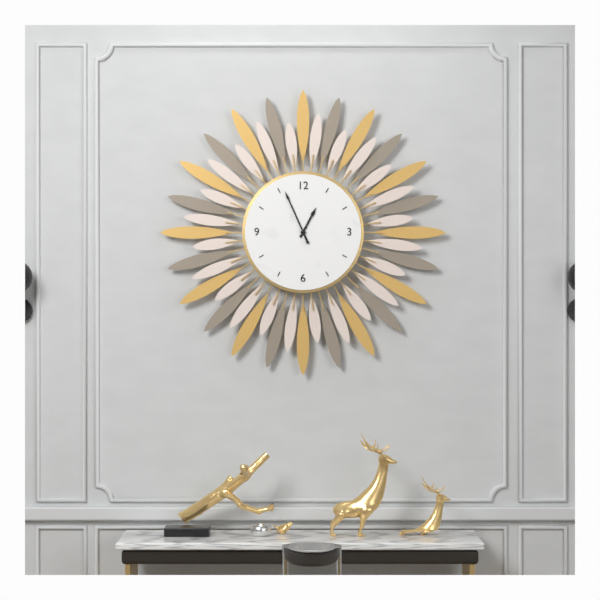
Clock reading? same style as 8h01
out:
12h56
